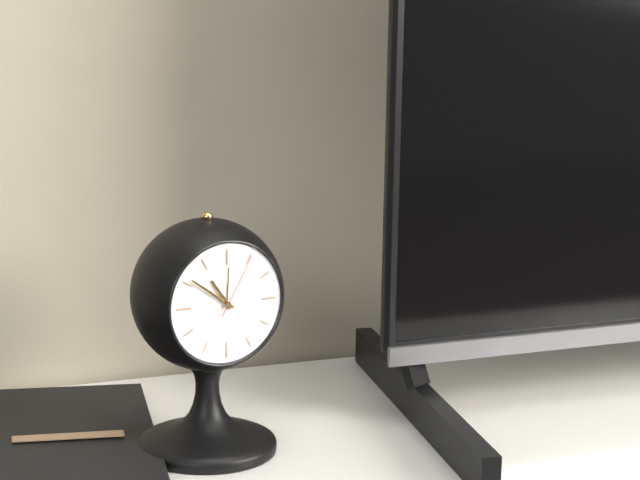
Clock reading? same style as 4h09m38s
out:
10h51m05s
